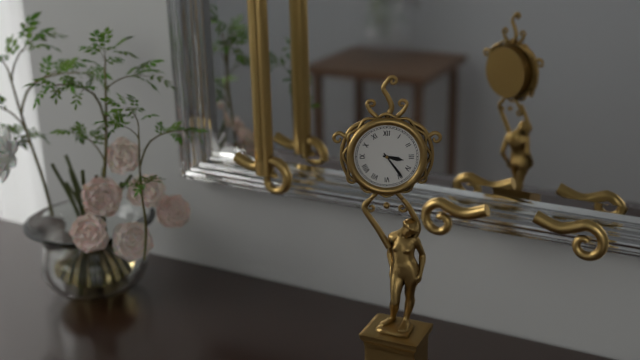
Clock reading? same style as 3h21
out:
3h24
